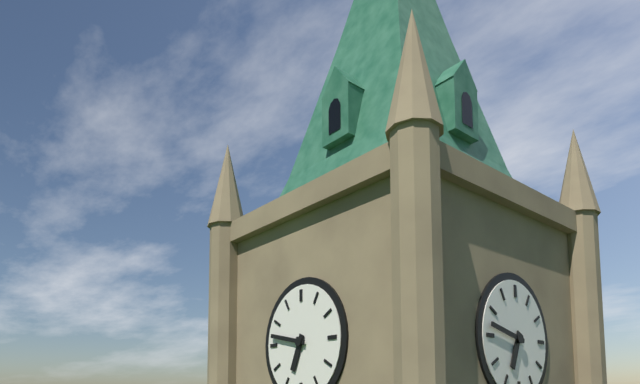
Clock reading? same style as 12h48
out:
6h47
